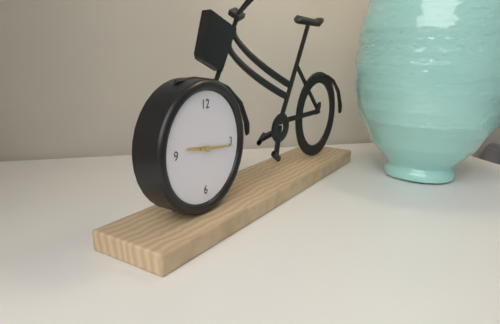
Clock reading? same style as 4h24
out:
9h16
